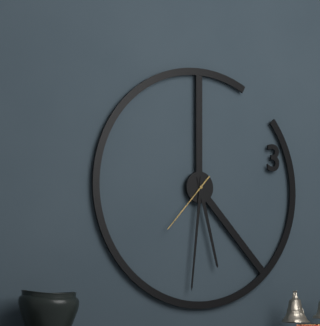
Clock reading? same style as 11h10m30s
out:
5h31m37s
